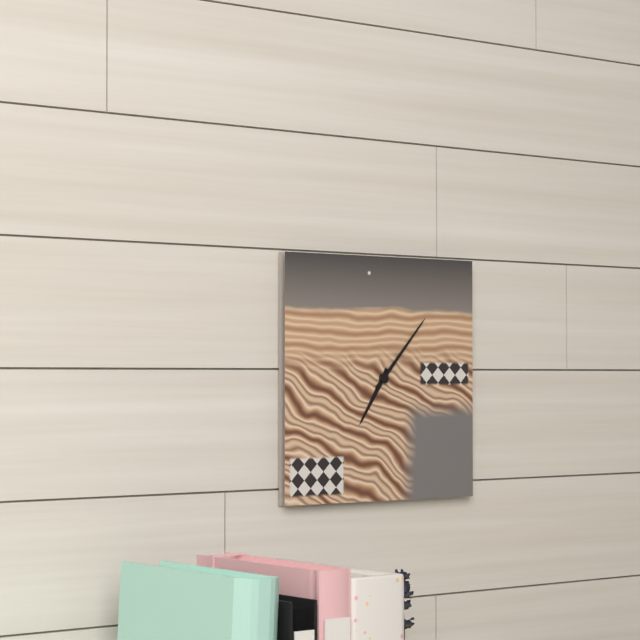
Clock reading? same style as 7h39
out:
7h07
